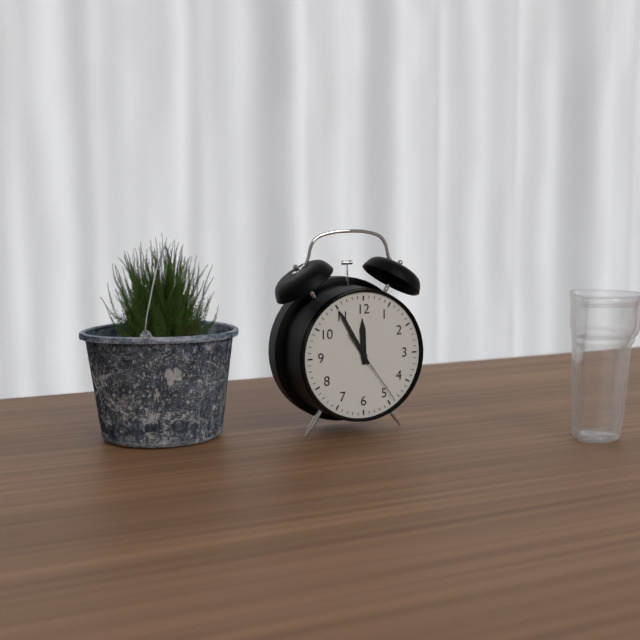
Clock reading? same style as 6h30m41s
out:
11h55m24s
